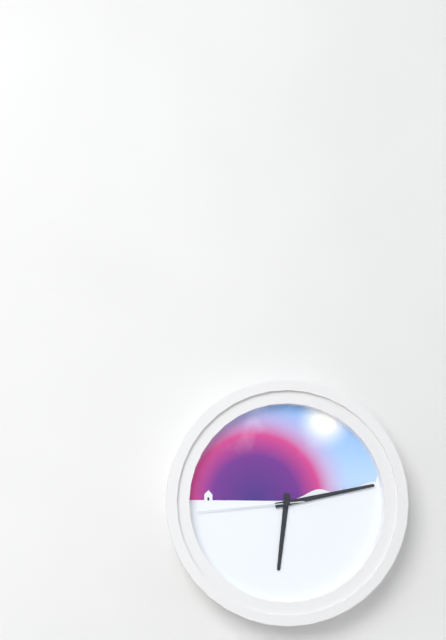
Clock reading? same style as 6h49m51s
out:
6h13m44s
